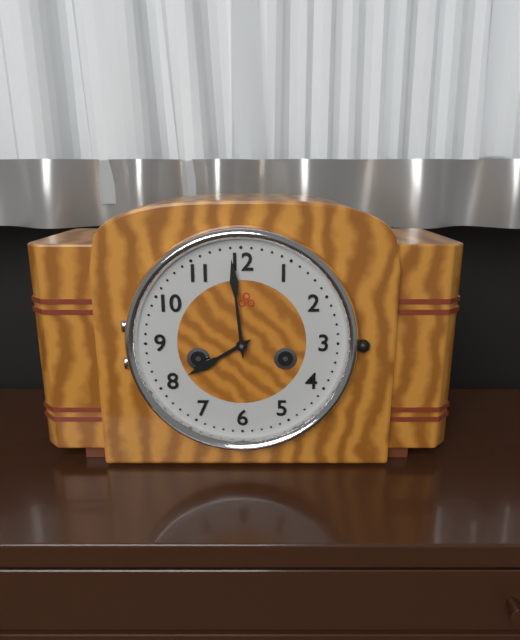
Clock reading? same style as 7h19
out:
7h59
